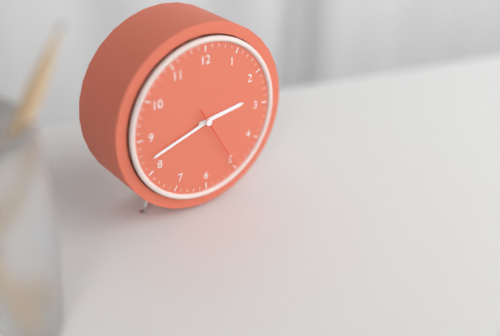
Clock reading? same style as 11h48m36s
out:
2h42m25s
